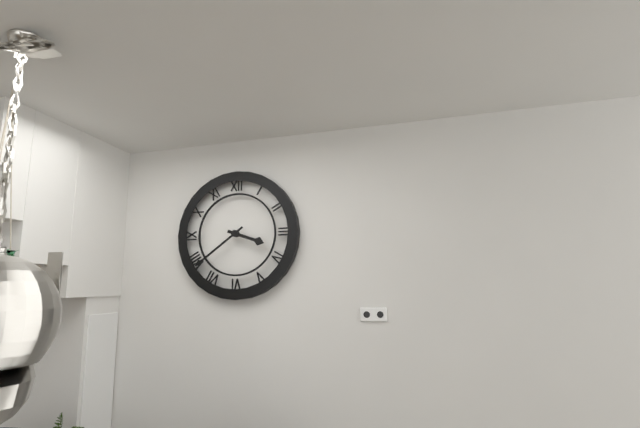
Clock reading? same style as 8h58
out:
3h39
